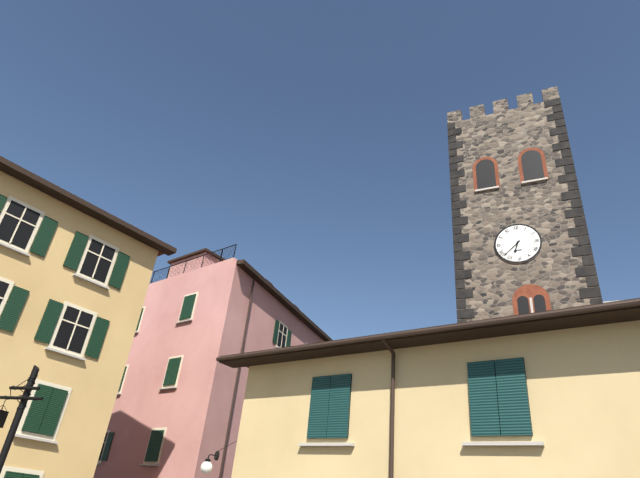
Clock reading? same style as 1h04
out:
6h38
